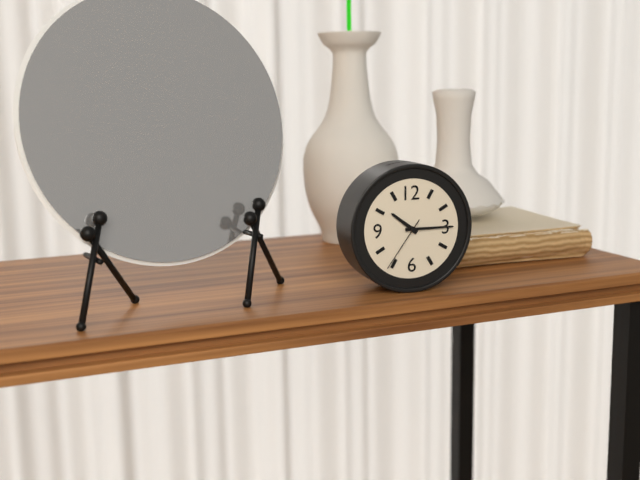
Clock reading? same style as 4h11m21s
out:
10h15m36s
